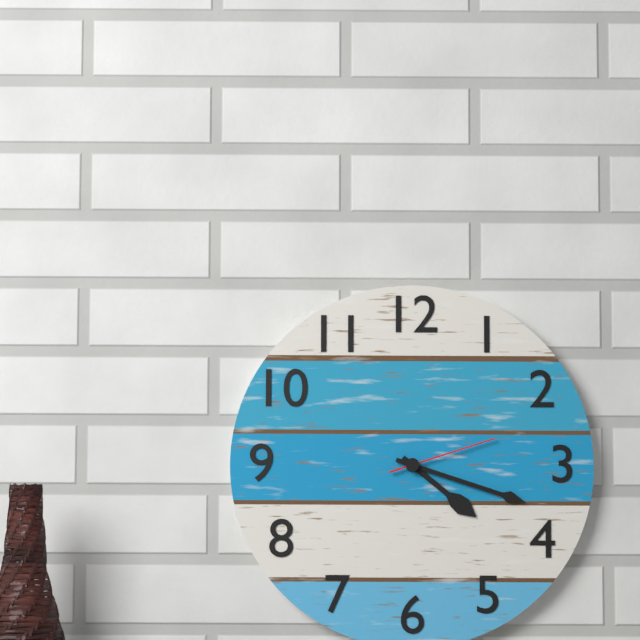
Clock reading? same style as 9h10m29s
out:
4h18m12s
